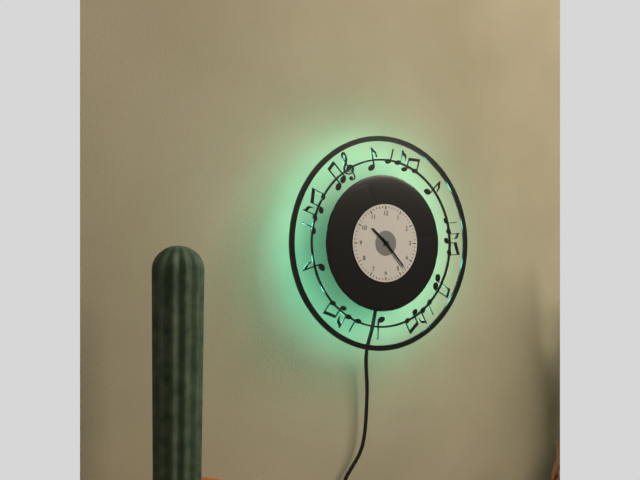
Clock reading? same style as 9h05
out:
10h23
